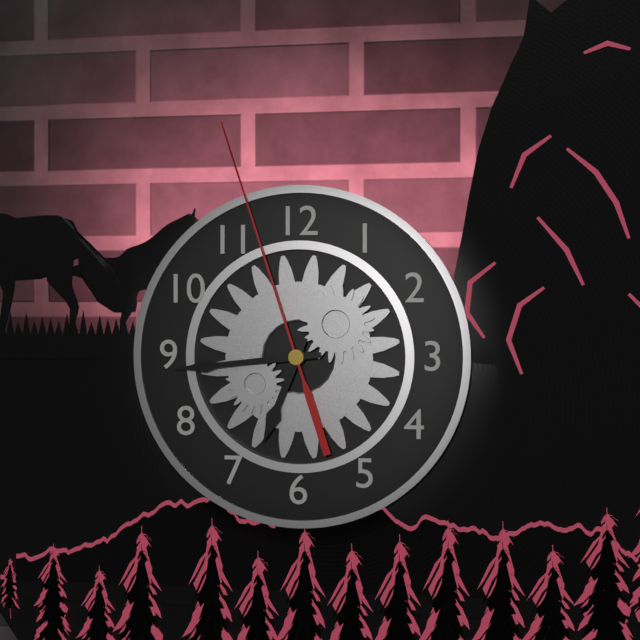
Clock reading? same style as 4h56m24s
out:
6h44m57s
